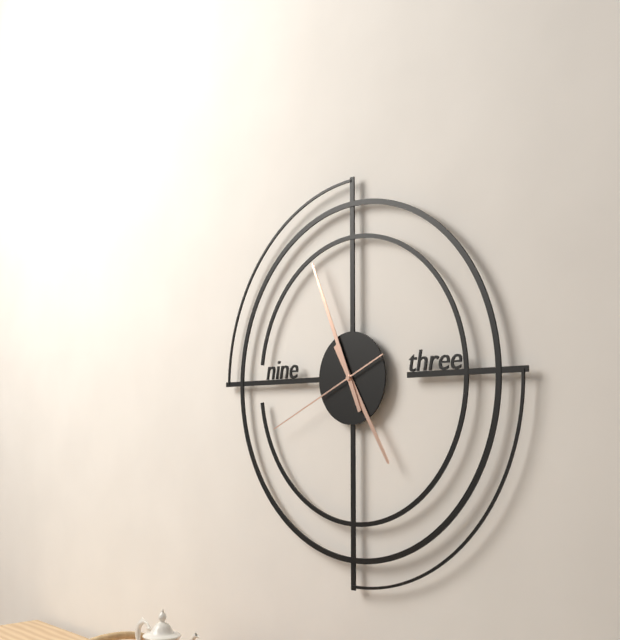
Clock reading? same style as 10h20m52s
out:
4h56m41s
